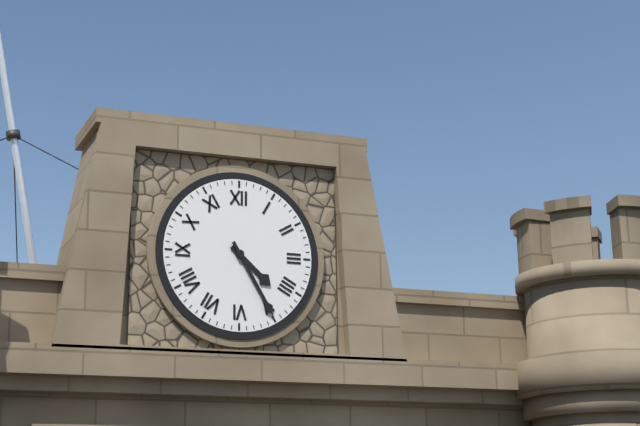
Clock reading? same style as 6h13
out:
4h25
